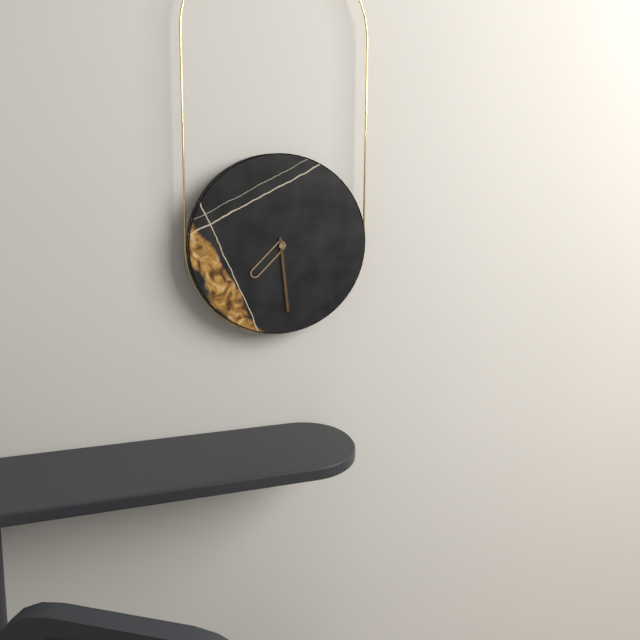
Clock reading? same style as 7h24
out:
7h29
